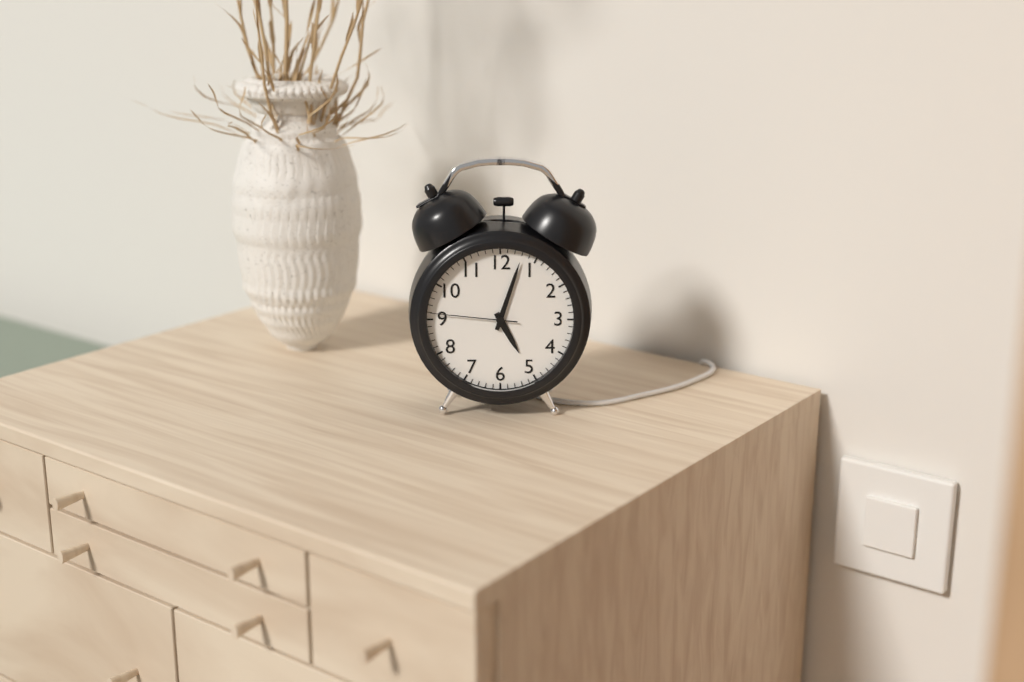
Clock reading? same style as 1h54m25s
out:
5h03m46s
